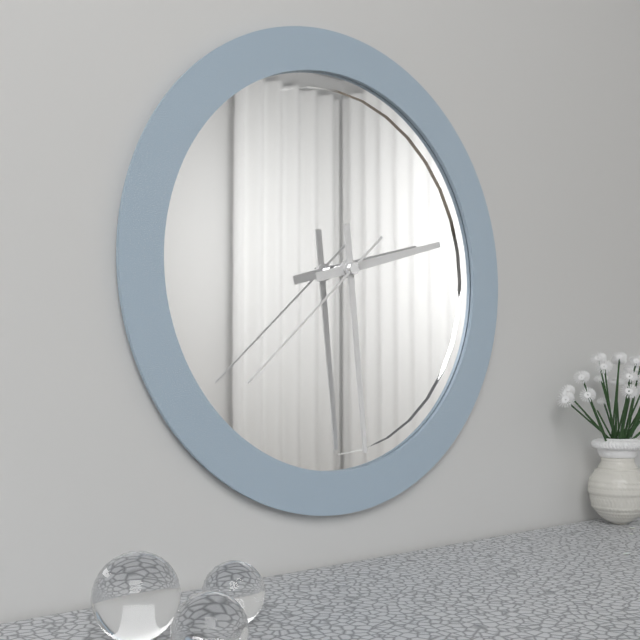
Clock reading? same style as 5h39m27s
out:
2h29m38s
